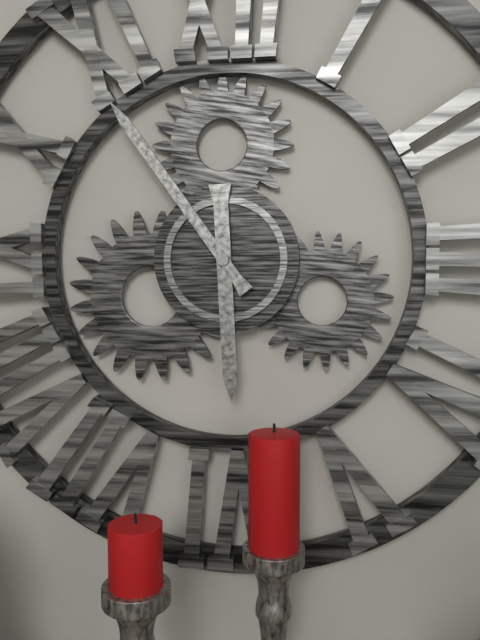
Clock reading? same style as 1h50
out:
5h54
